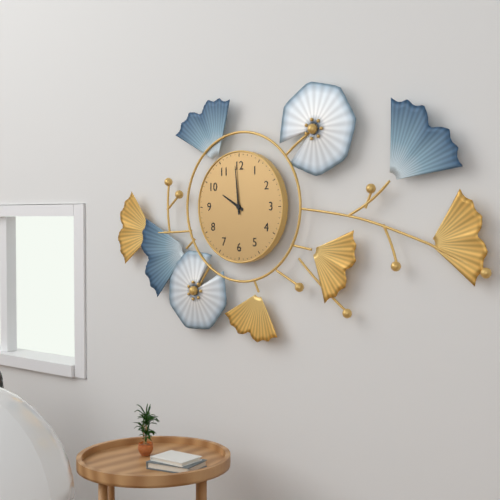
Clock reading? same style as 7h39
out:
9h59
